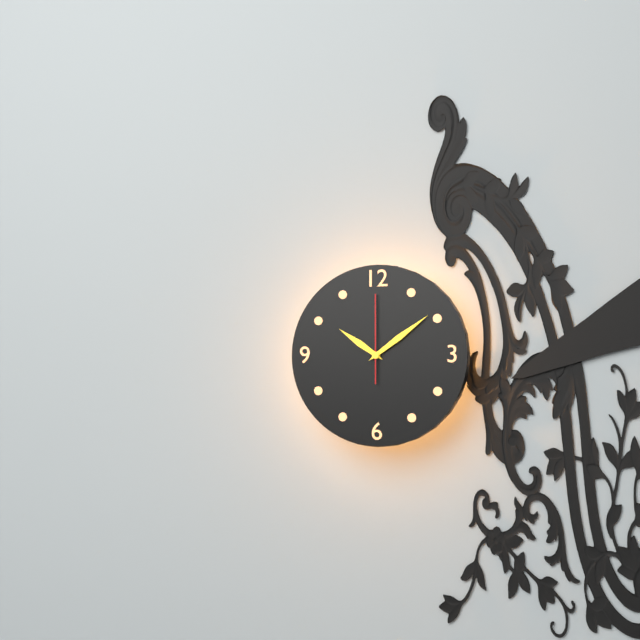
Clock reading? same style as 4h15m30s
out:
10h09m00s
